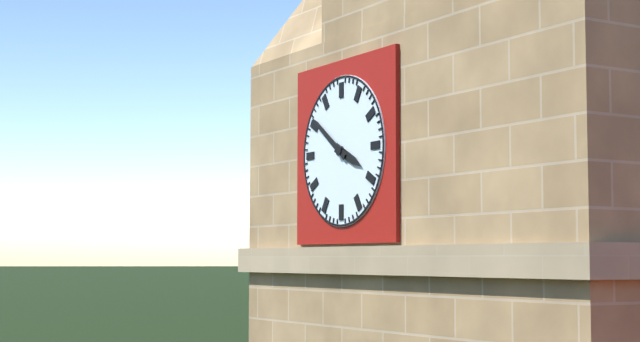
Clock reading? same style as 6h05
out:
3h51
